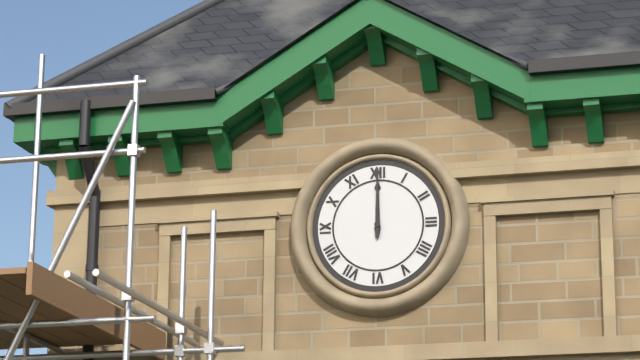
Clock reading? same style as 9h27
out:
12h00
